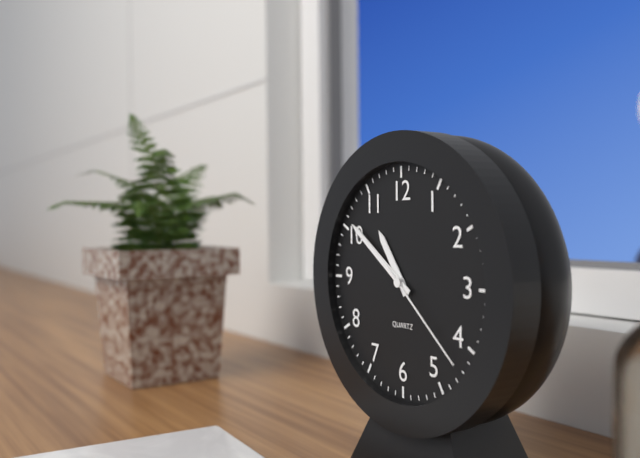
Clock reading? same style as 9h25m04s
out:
10h51m22s
